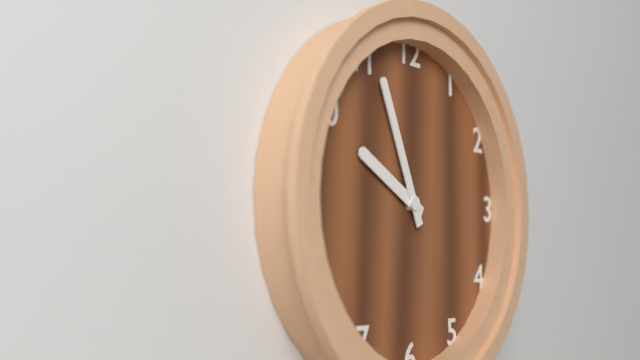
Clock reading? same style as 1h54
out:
9h56
